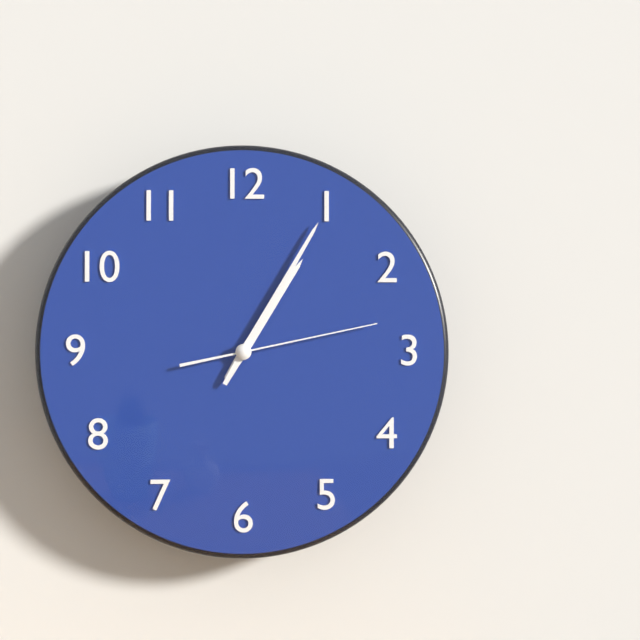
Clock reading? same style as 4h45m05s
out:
1h05m13s
